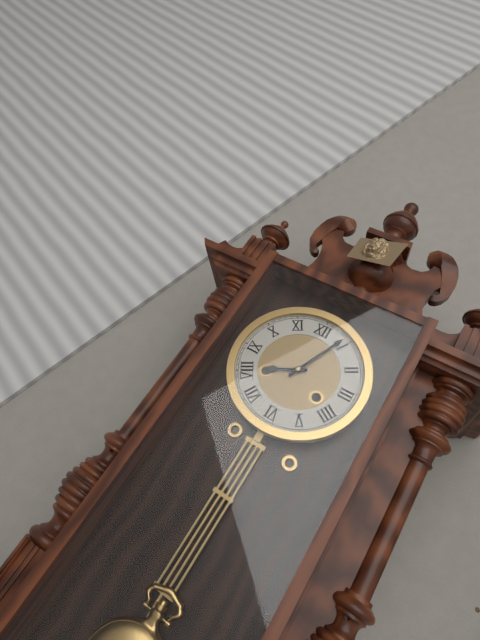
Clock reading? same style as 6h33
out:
8h04
